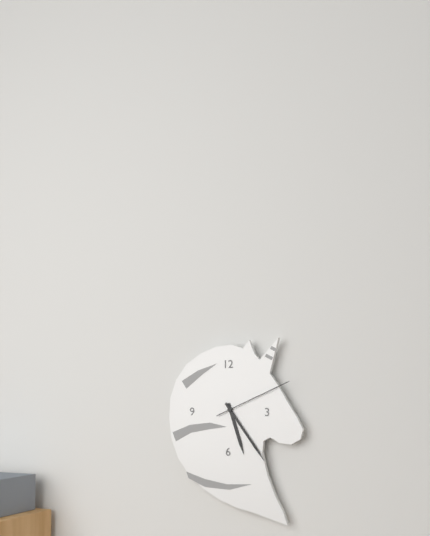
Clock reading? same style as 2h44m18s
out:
5h24m11s
